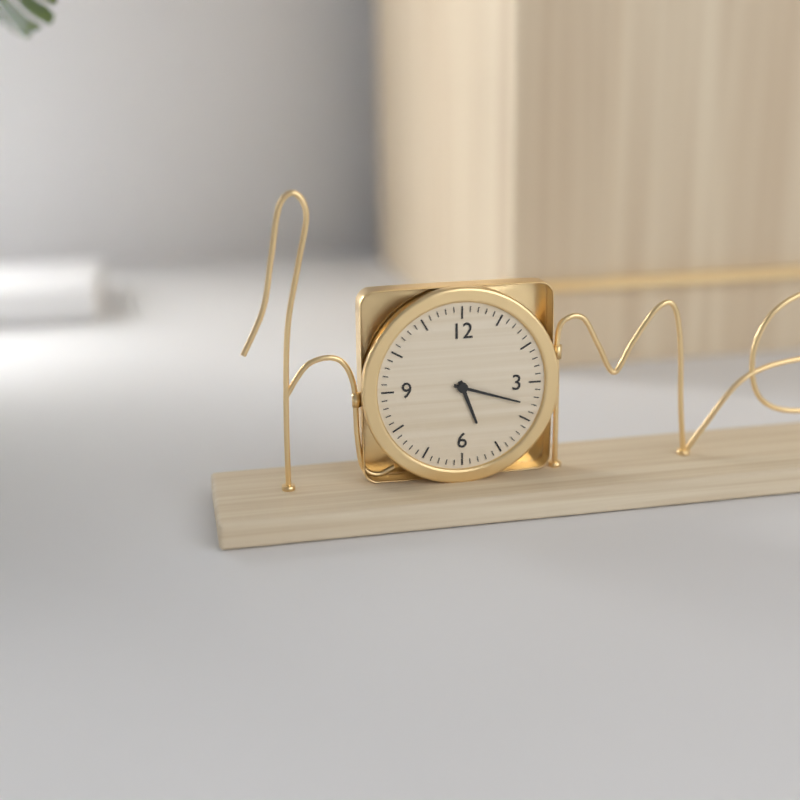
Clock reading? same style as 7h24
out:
5h18
